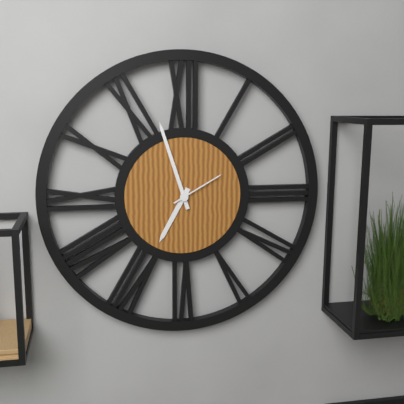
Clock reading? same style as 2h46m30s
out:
6h57m10s
